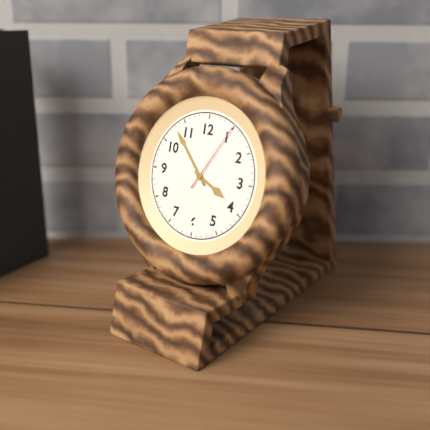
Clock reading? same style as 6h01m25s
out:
3h53m05s
